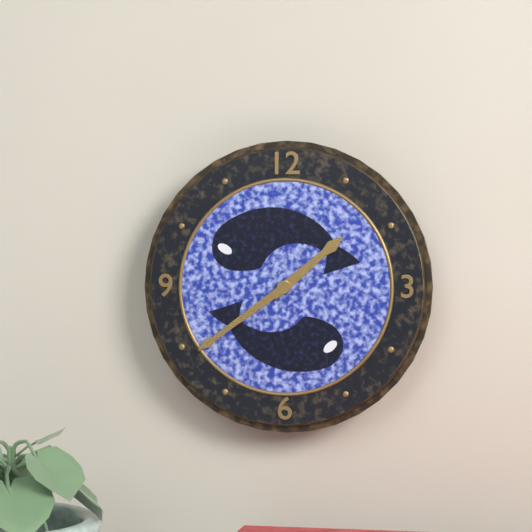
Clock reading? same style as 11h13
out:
1h39
